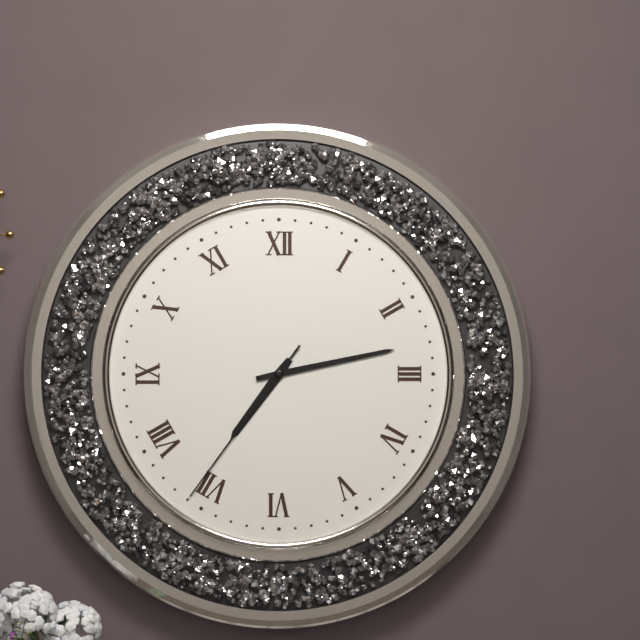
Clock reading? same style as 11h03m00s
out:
7h13m36s
